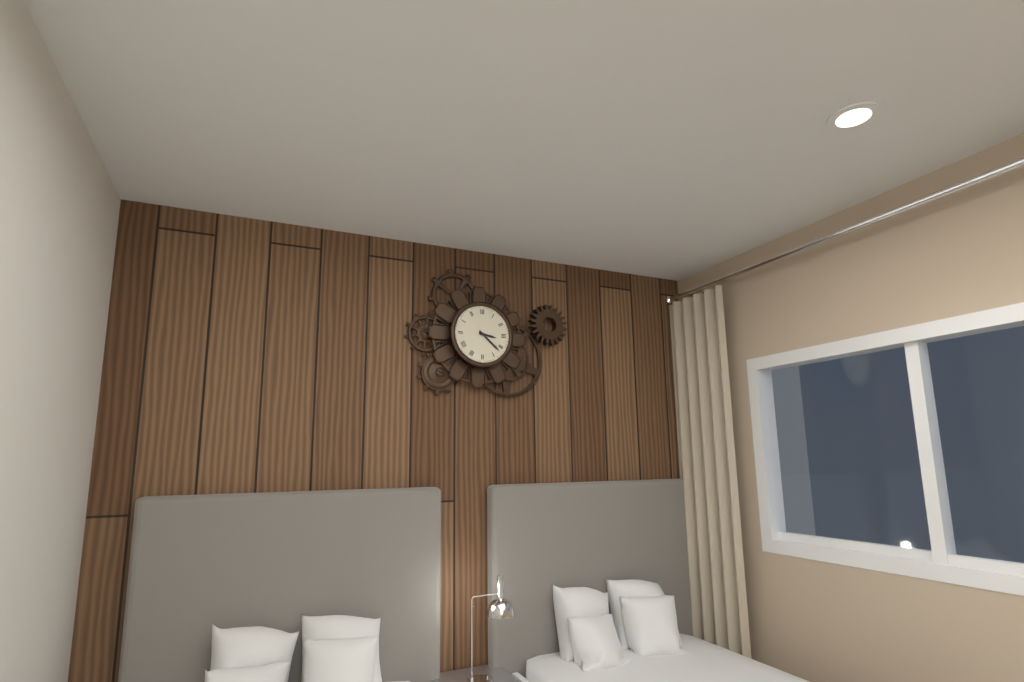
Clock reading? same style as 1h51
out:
3h22
